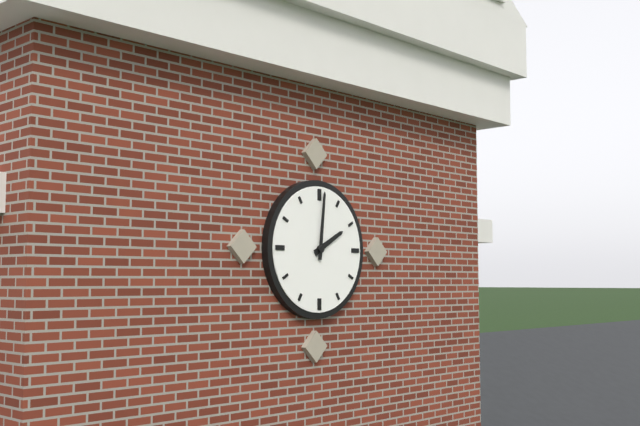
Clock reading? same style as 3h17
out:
2h01
